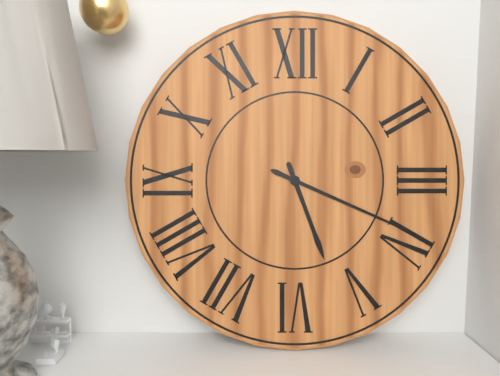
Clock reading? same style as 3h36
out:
5h19
